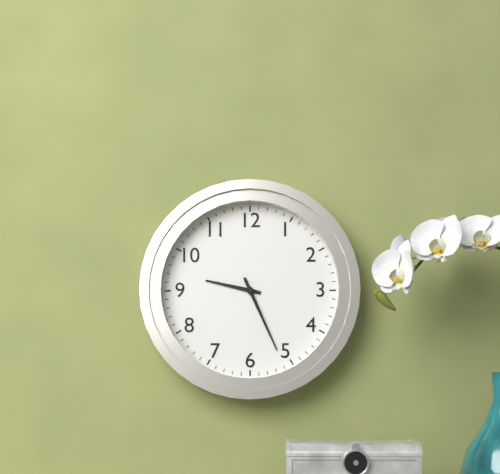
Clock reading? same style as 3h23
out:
9h26
